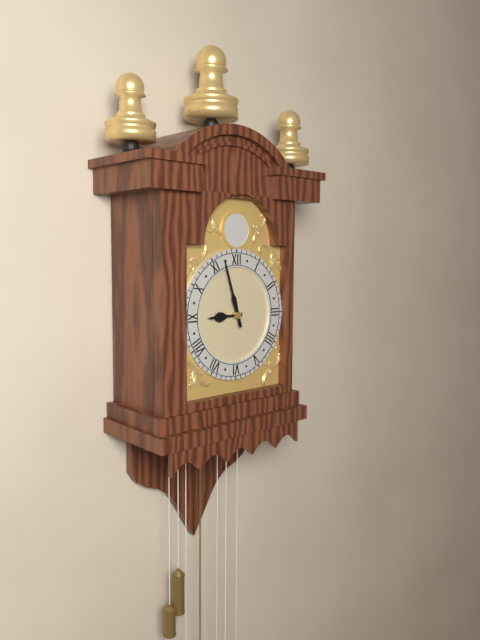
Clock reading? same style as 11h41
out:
8h57
